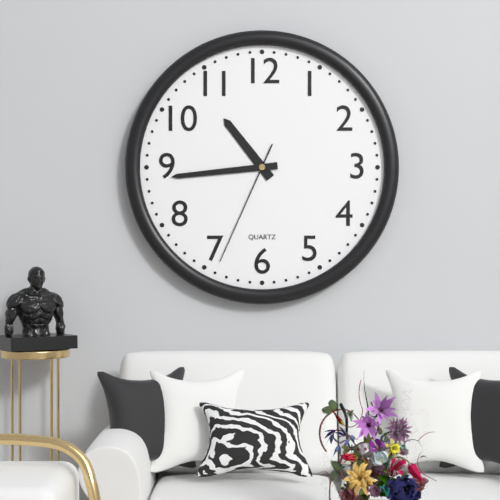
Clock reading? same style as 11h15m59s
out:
10h44m34s
